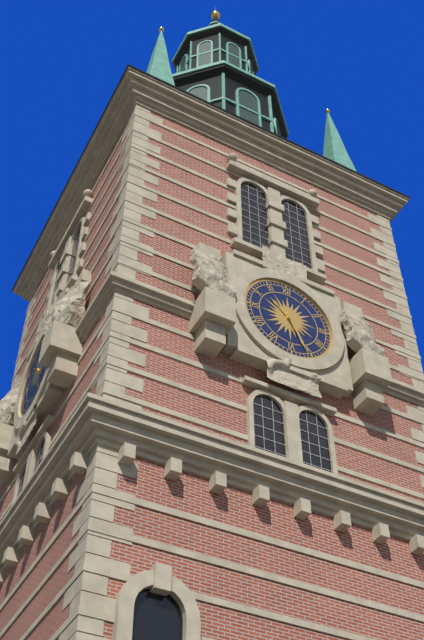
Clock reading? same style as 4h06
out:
10h26
